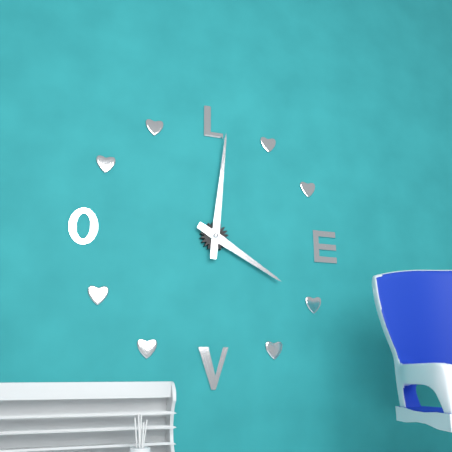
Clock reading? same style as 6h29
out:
4h01
